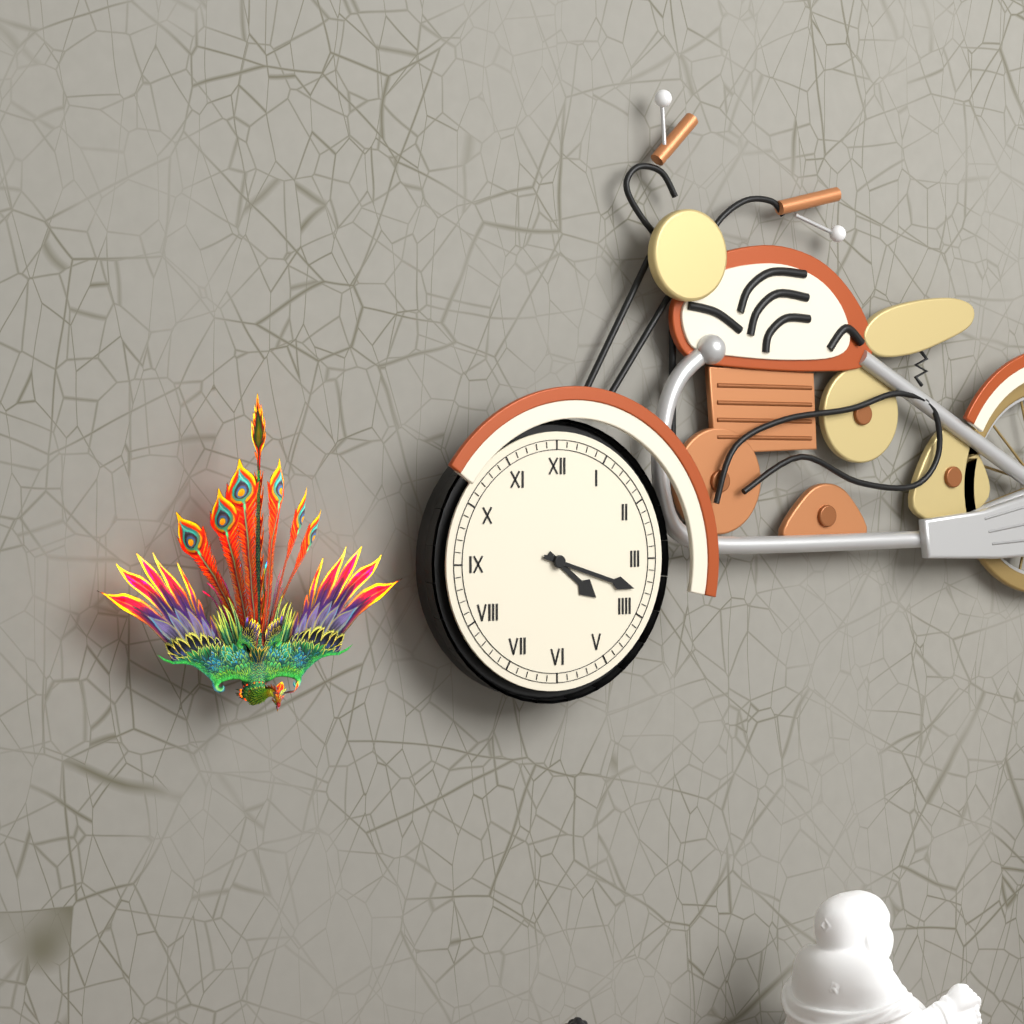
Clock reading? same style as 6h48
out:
4h18
